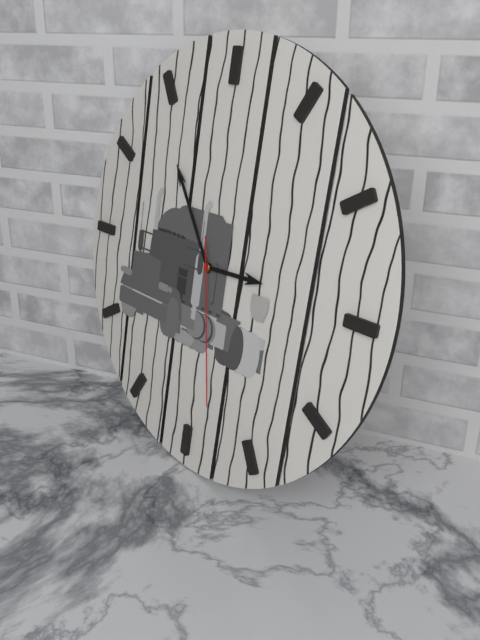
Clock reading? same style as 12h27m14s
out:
2h54m28s
